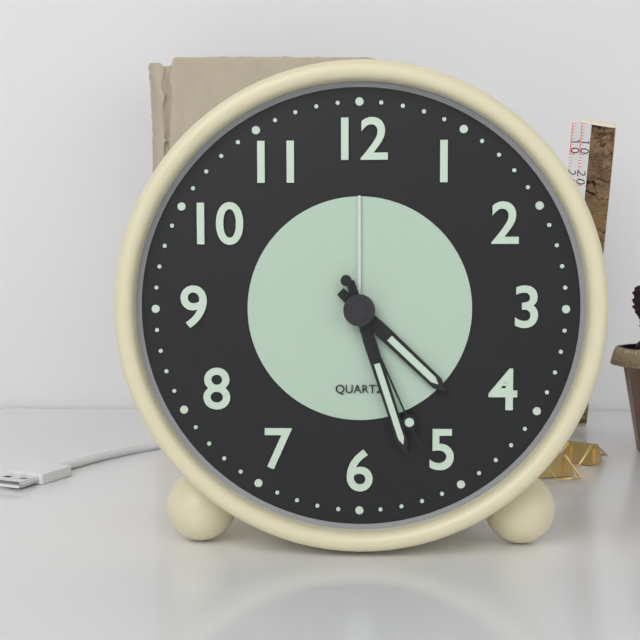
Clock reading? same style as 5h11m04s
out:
4h27m26s
